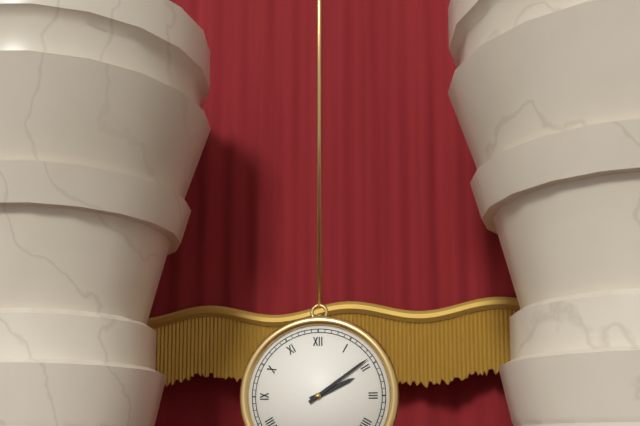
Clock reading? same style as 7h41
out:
2h09
